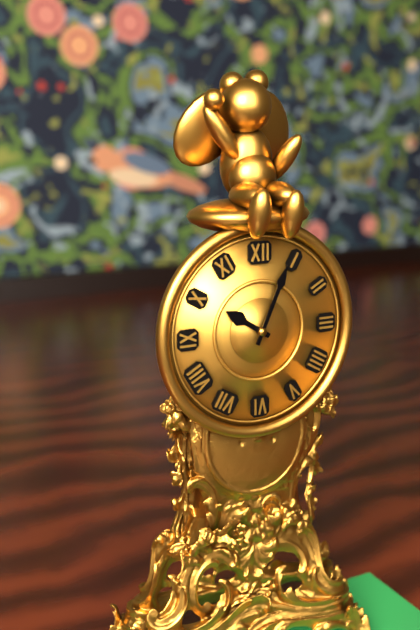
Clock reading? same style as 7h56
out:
10h04
